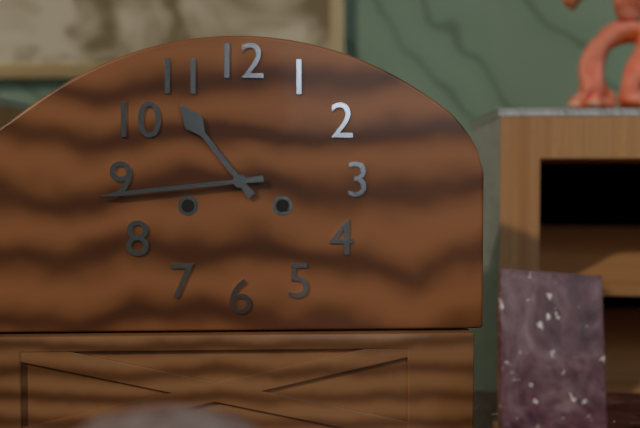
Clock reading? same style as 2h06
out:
10h44
